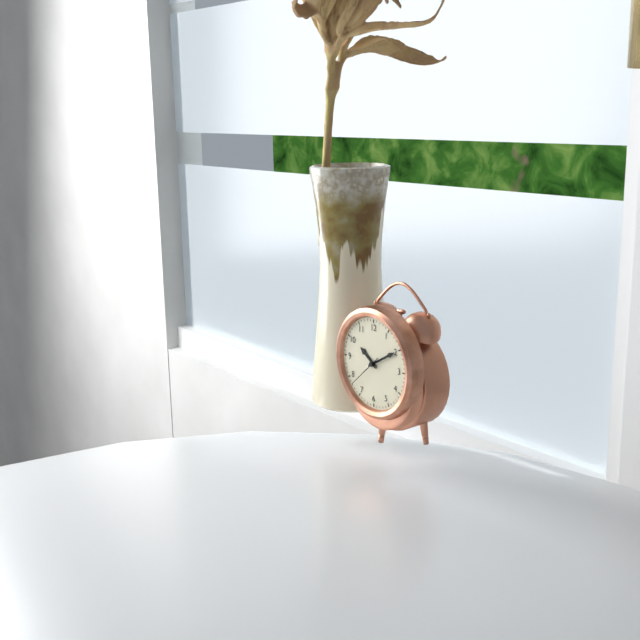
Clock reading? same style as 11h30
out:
10h10
